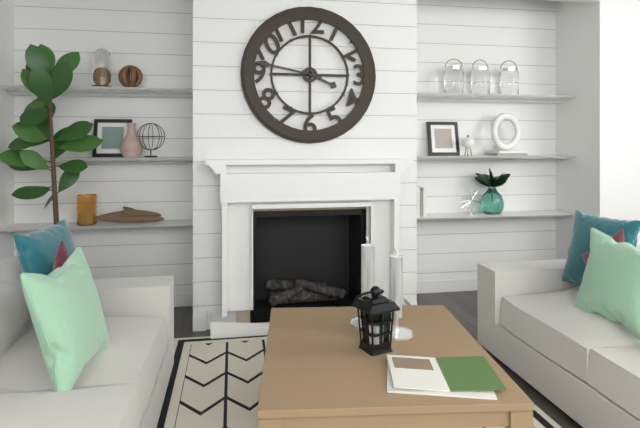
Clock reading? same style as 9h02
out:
3h47
